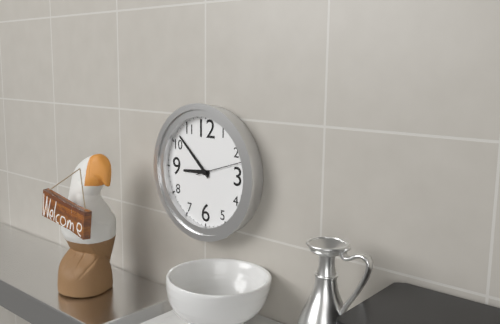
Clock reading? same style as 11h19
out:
8h52
